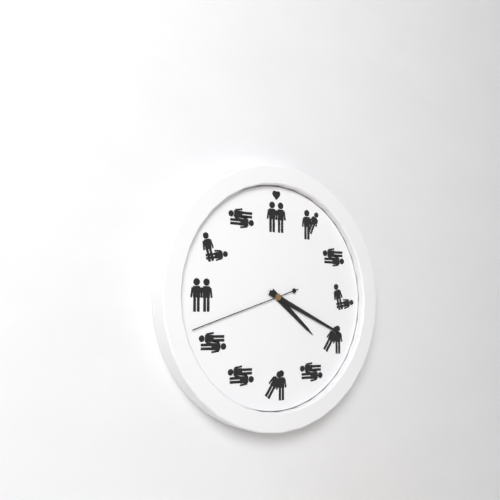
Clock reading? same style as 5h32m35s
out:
4h19m42s
